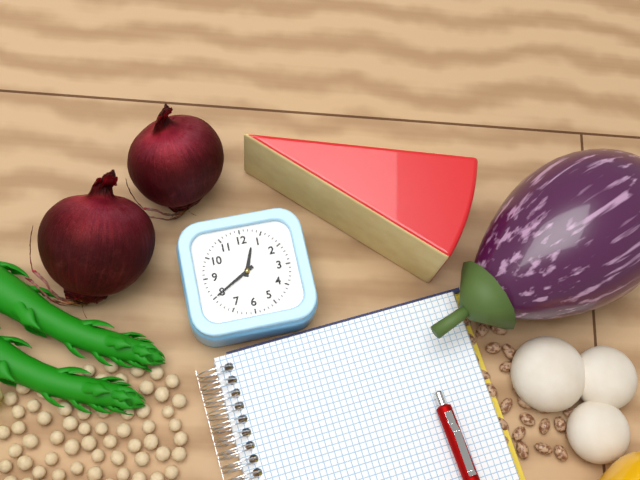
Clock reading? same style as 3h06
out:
12h40
